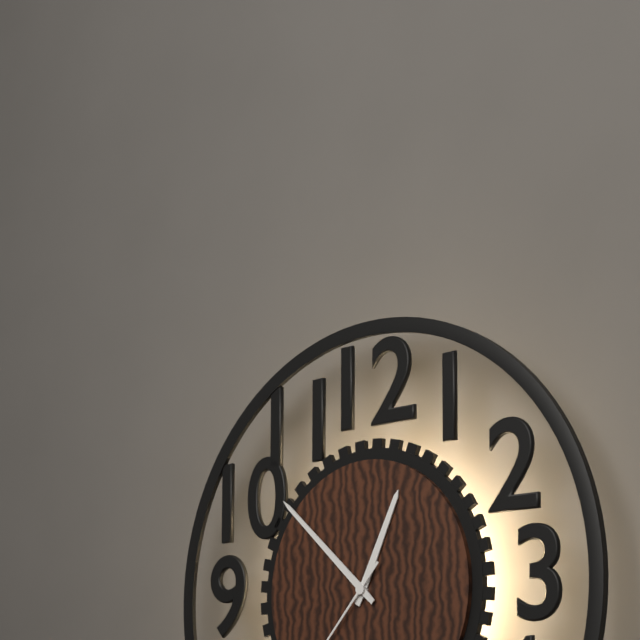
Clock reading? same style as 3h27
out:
12h52
